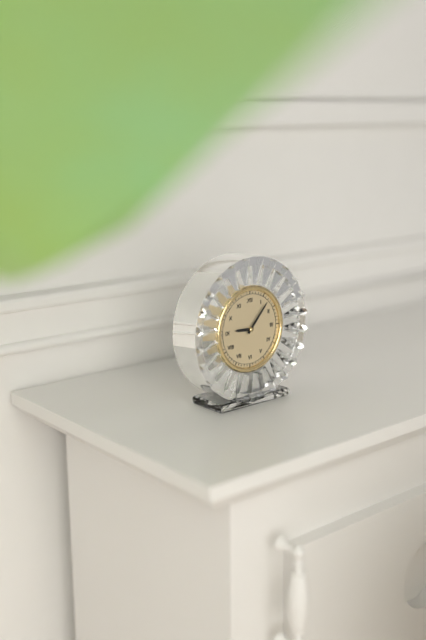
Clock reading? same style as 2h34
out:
9h07
